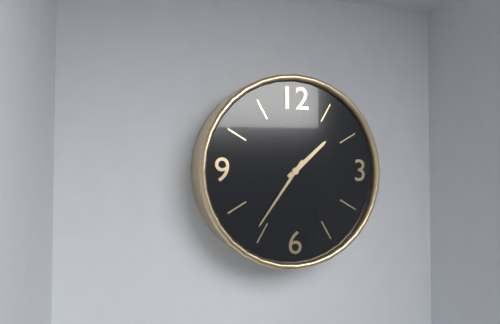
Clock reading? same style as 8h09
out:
1h36
